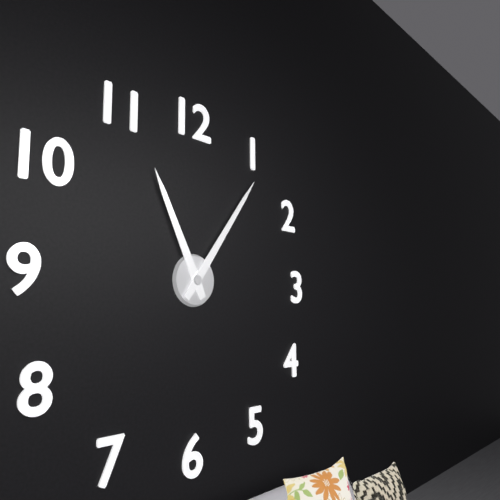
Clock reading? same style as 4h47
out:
11h06
